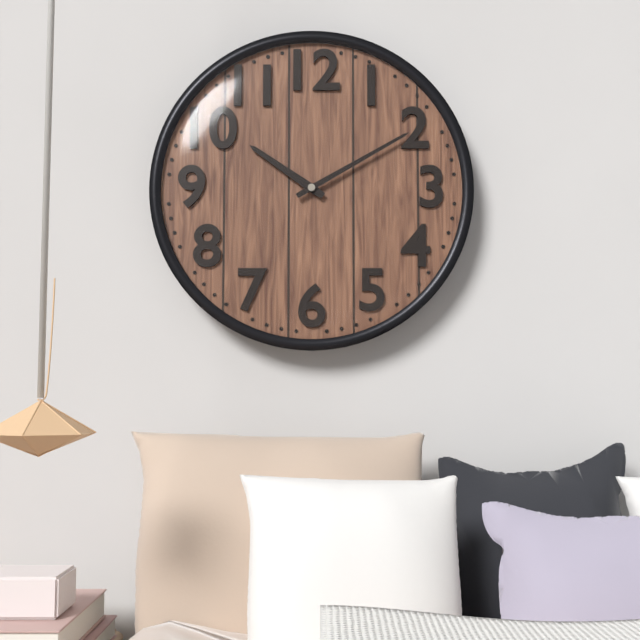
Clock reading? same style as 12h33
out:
10h10
